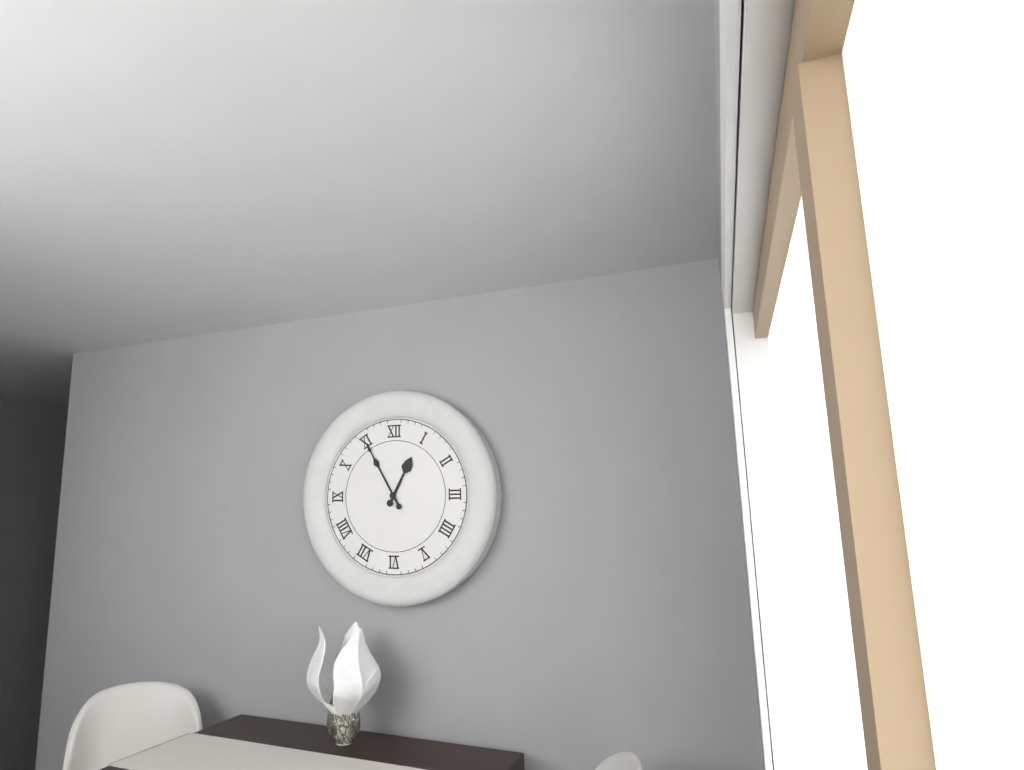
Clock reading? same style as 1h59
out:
12h55
